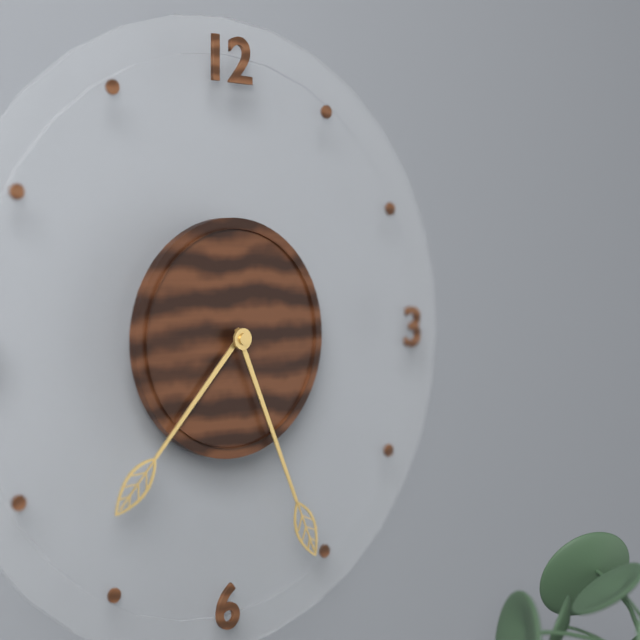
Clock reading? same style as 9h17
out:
7h26
